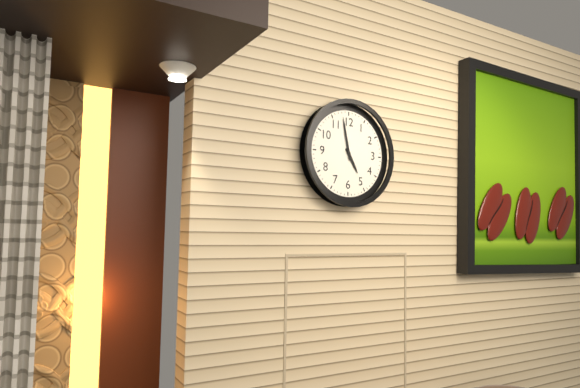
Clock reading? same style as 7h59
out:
4h58
